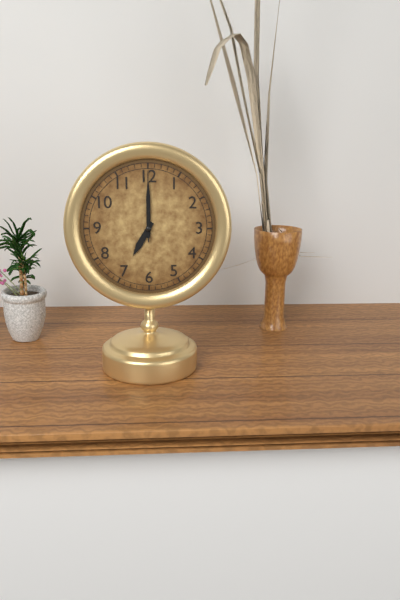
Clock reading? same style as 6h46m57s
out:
7h00m00s
